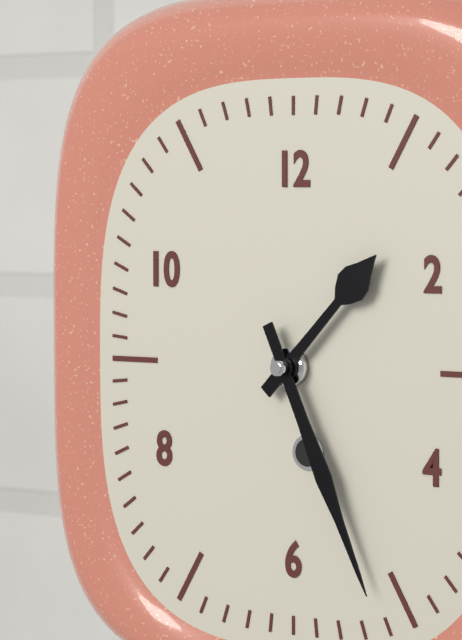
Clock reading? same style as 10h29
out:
1h26
